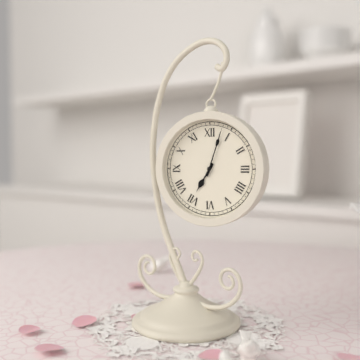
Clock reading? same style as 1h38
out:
7h03
